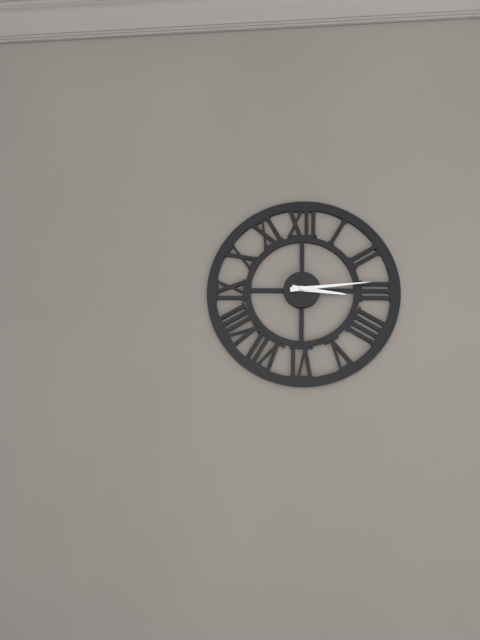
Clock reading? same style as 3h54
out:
3h14
